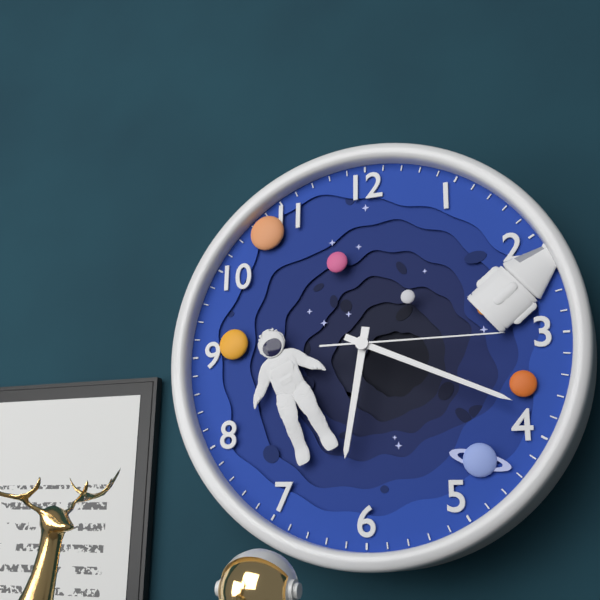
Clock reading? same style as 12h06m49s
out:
6h19m15s
